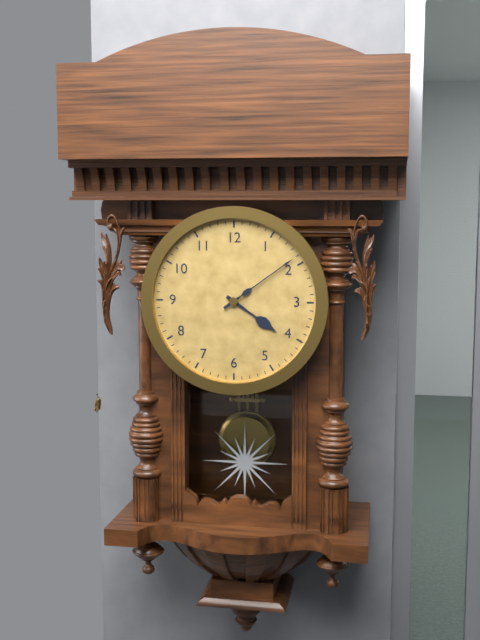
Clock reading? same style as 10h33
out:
4h09
